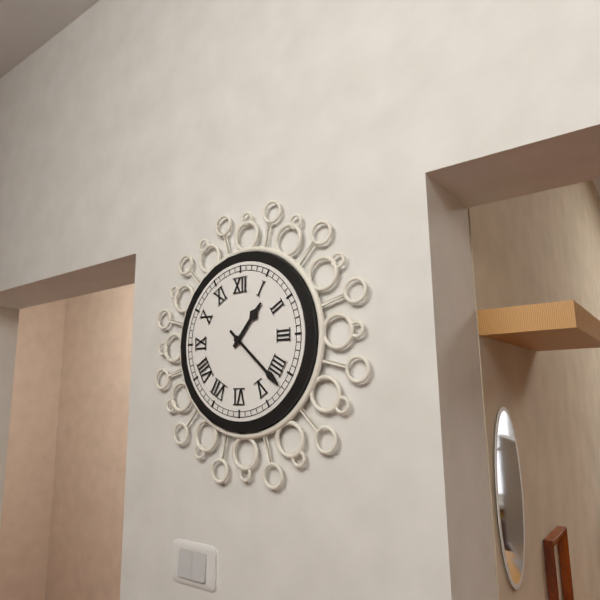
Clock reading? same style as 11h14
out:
1h22
